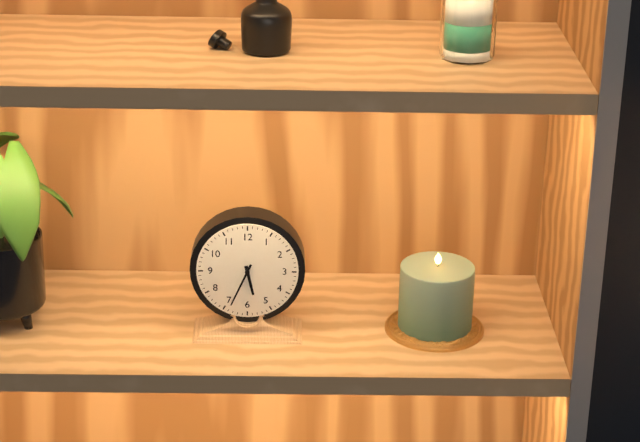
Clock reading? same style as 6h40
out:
5h34
